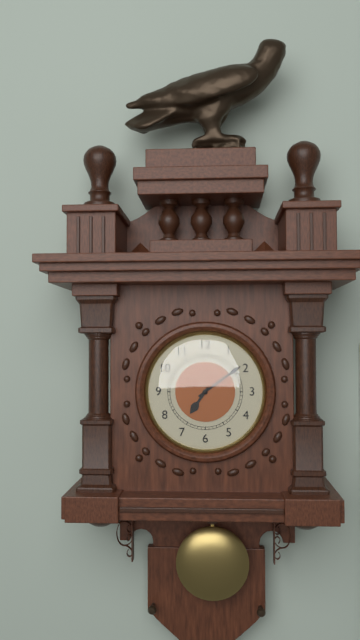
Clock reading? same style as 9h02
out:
7h09
